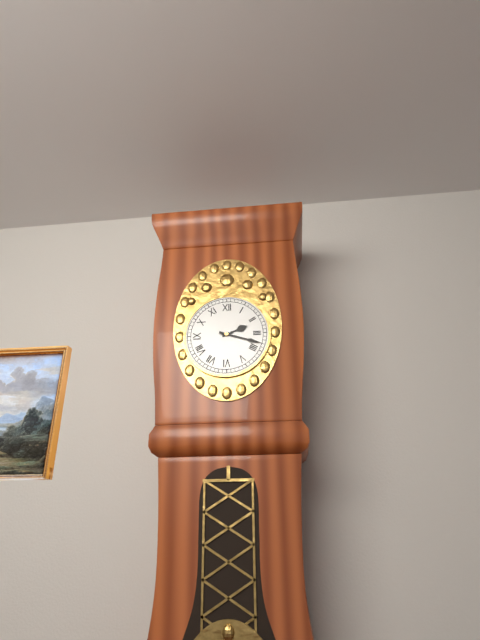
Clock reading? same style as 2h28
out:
2h18
